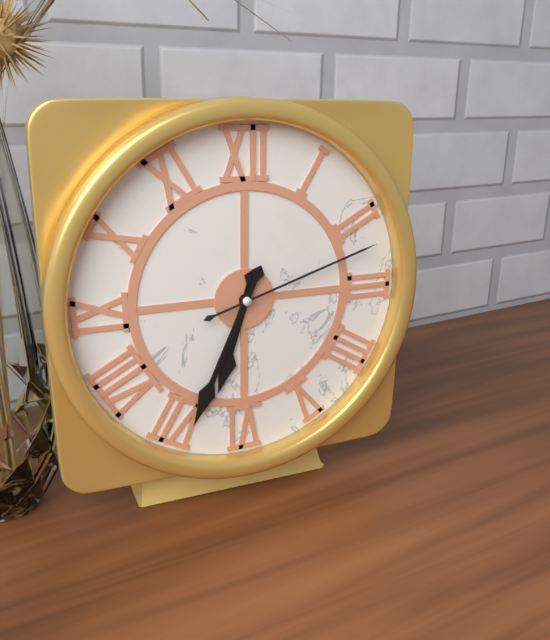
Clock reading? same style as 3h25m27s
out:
6h34m12s
